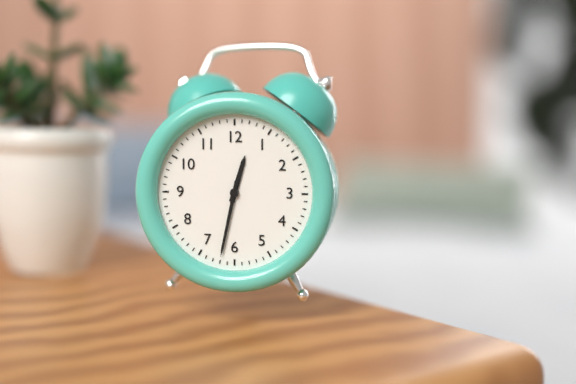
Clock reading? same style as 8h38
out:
12h32
